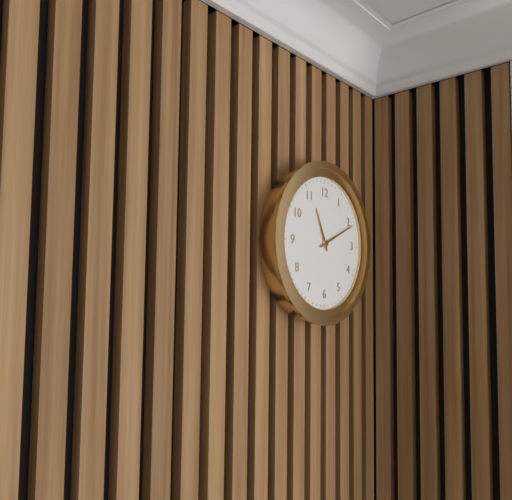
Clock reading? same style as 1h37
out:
11h11
